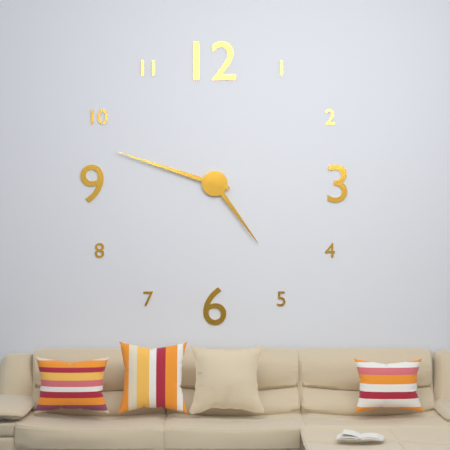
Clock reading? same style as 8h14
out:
4h48
